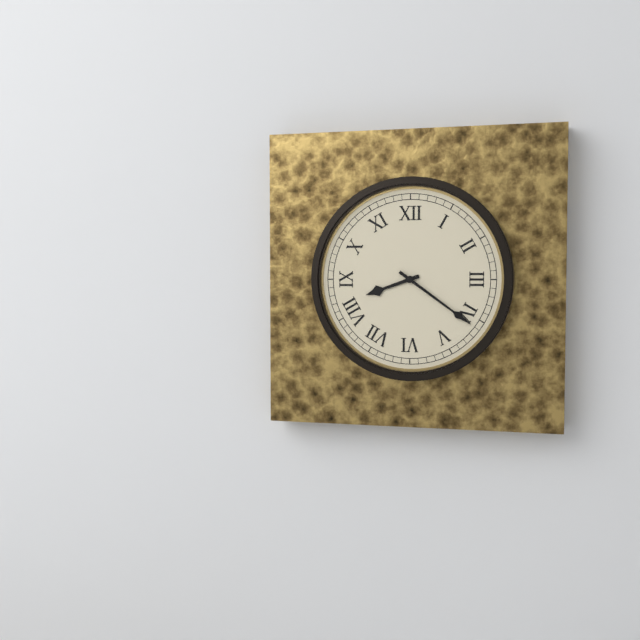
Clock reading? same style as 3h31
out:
8h21
